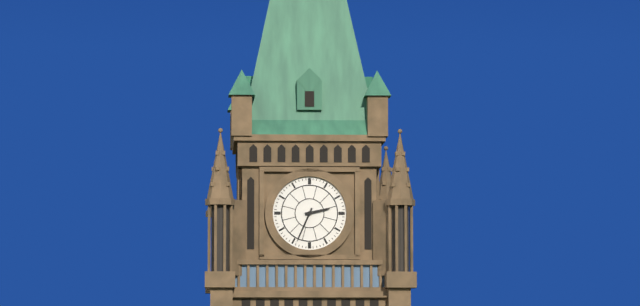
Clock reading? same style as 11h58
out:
2h34
